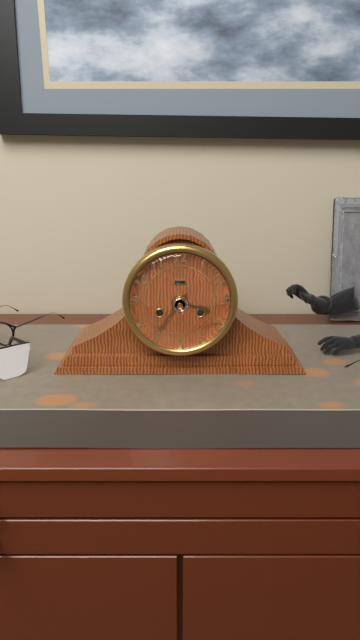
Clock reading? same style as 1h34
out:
3h36
